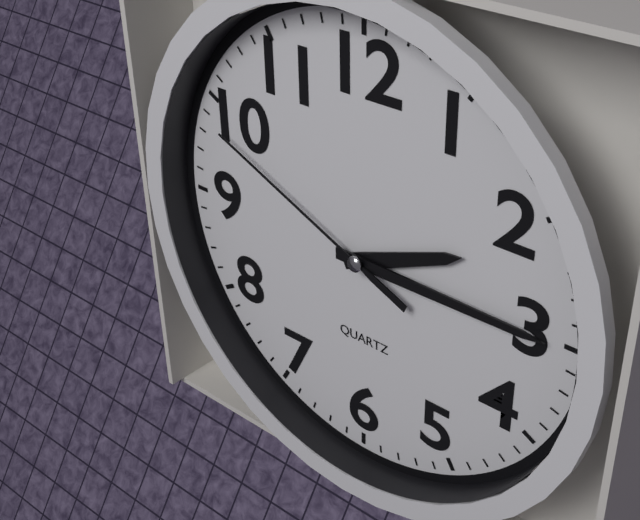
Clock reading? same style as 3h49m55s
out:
2h15m49s
